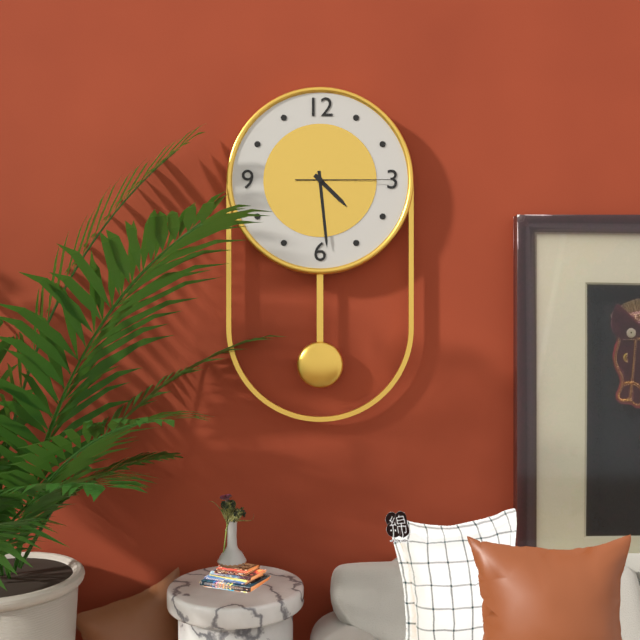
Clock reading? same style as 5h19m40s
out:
4h29m15s
